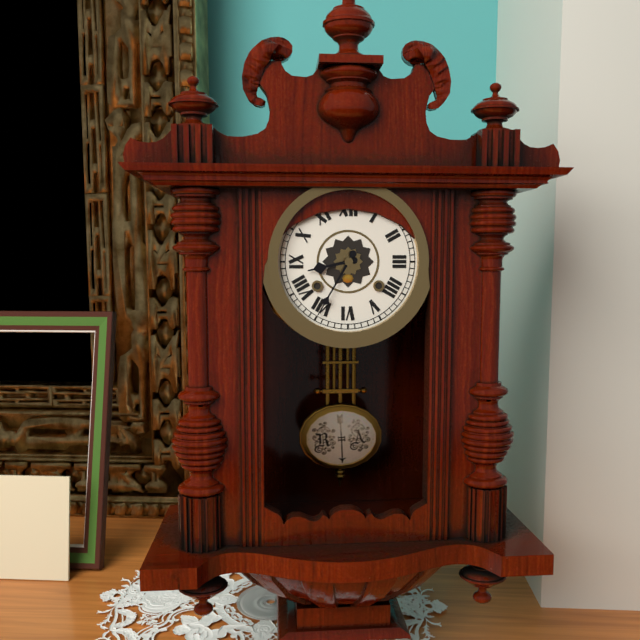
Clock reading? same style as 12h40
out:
8h35
